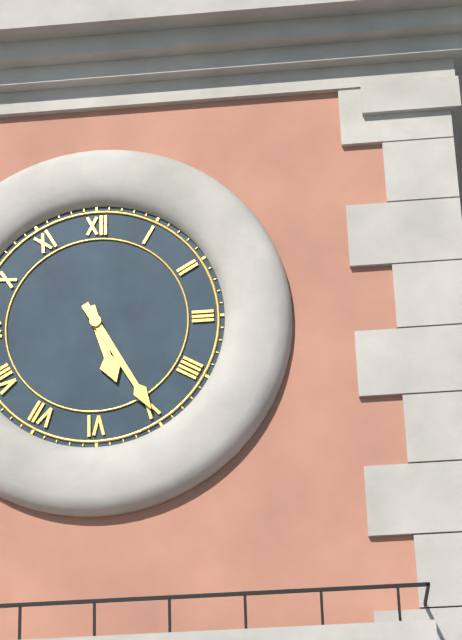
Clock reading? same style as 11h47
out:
5h25
